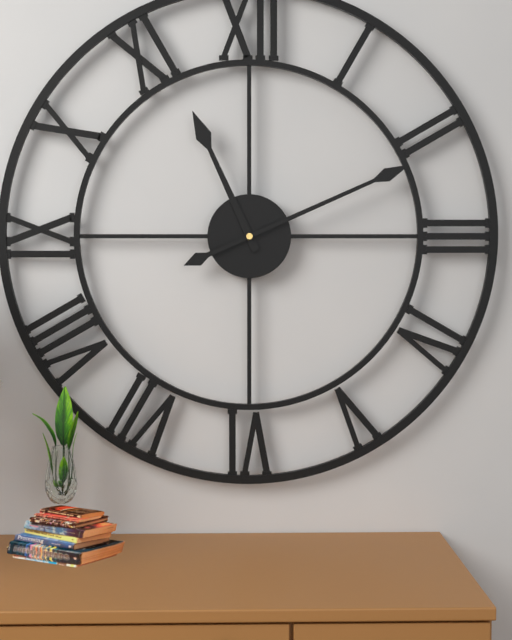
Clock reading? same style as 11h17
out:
11h11
